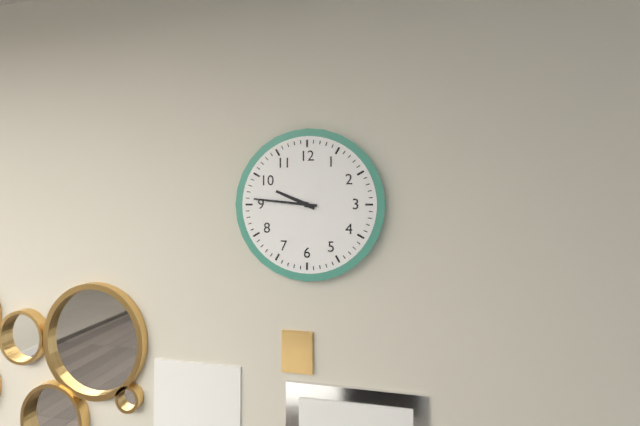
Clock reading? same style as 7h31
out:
9h46
